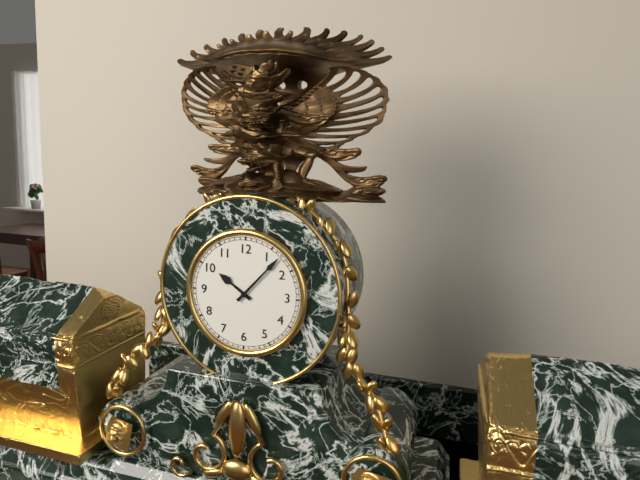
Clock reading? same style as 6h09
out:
10h07
